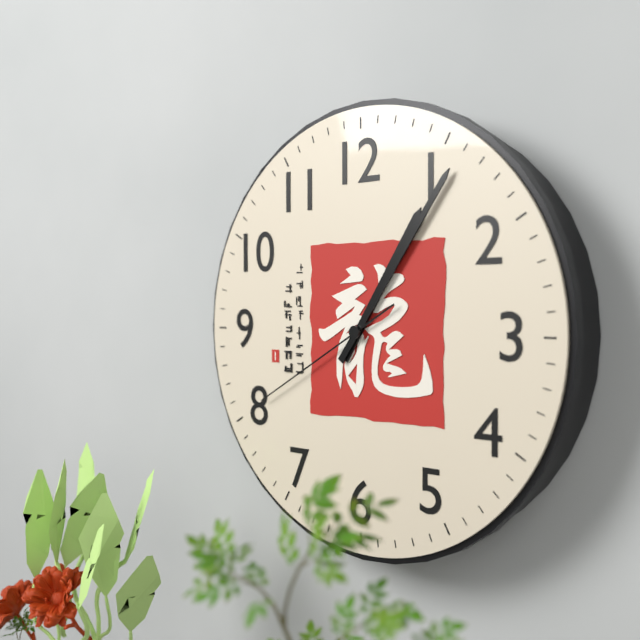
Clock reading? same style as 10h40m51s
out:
1h06m40s
